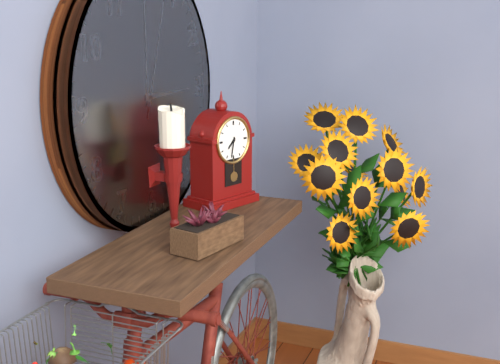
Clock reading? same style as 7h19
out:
7h32
